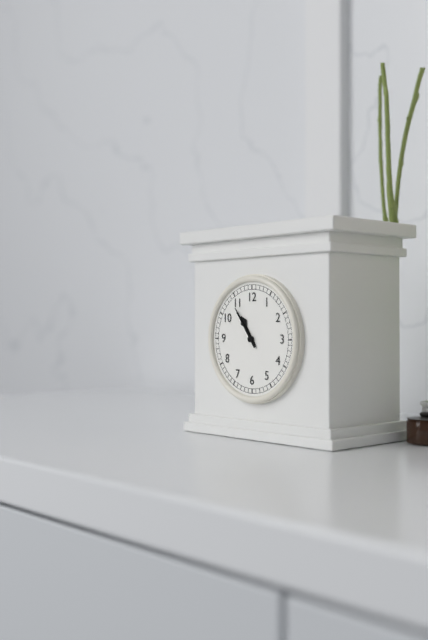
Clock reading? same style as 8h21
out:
10h54
